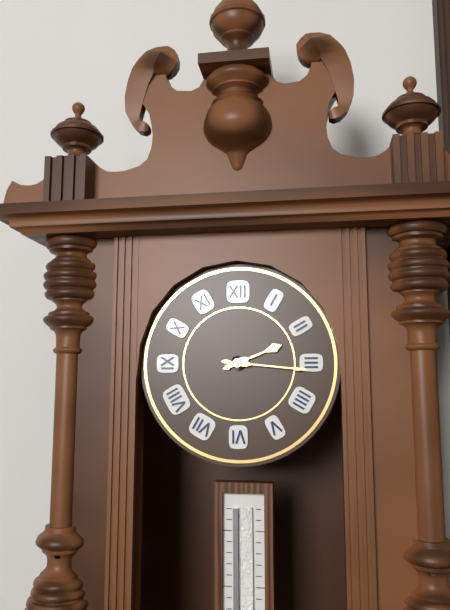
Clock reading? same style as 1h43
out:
2h16
